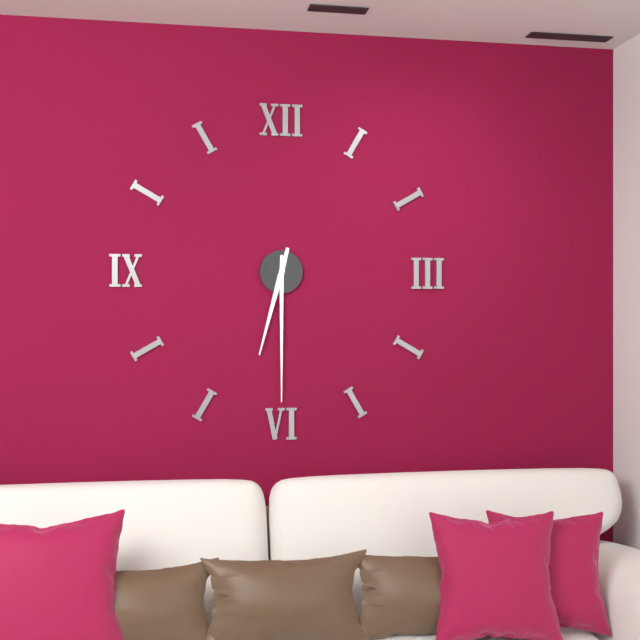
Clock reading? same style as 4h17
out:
6h30
